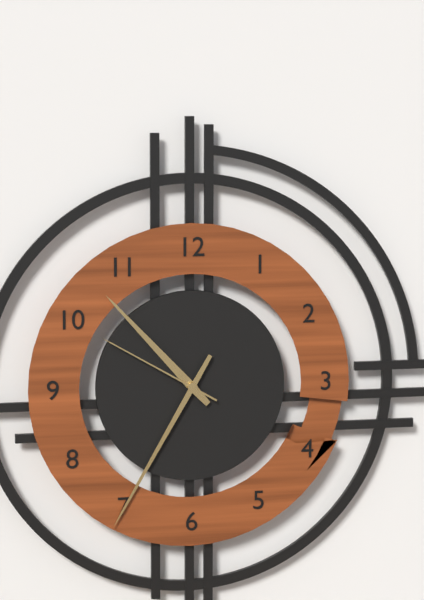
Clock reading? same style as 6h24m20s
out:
10h35m50s
